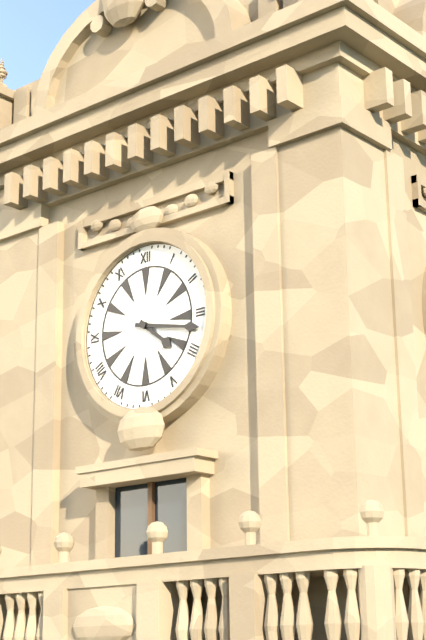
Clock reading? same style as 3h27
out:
4h17
